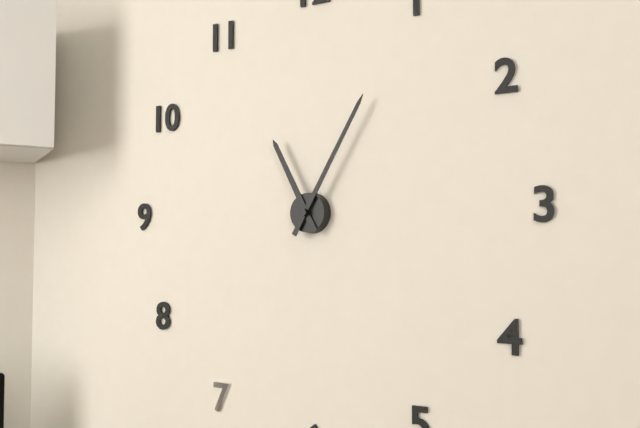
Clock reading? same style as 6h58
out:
11h05
